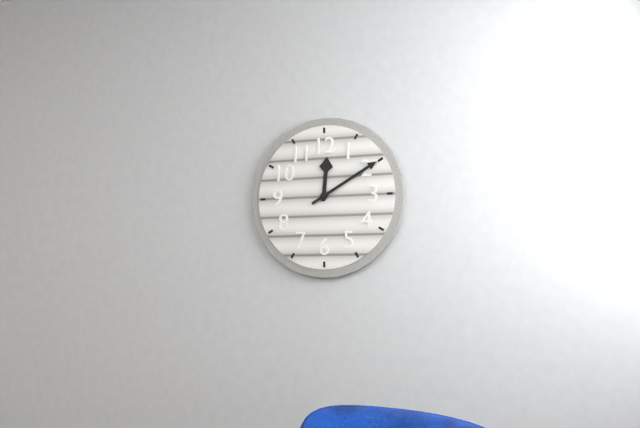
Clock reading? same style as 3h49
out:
12h10
